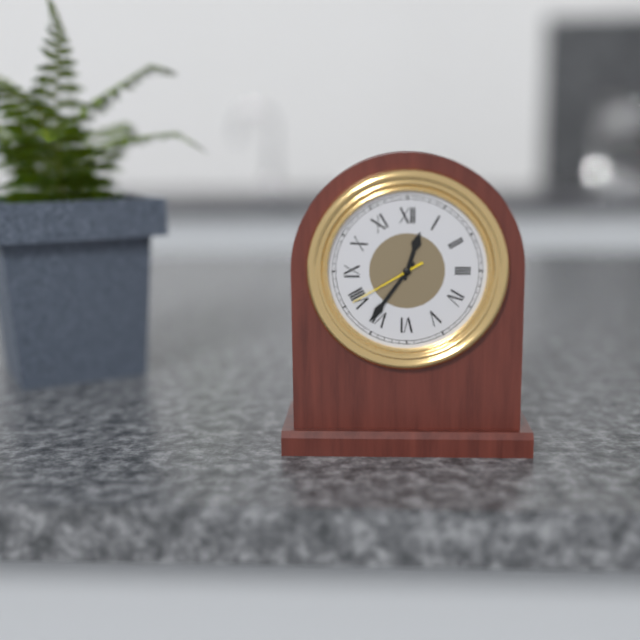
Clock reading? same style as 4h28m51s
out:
12h36m40s
